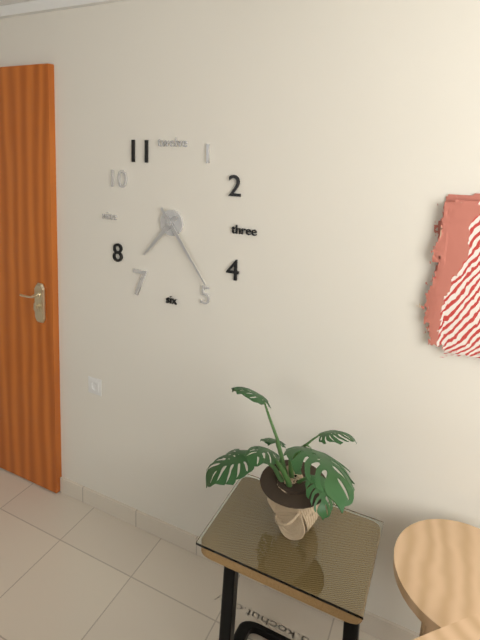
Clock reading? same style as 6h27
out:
7h24
